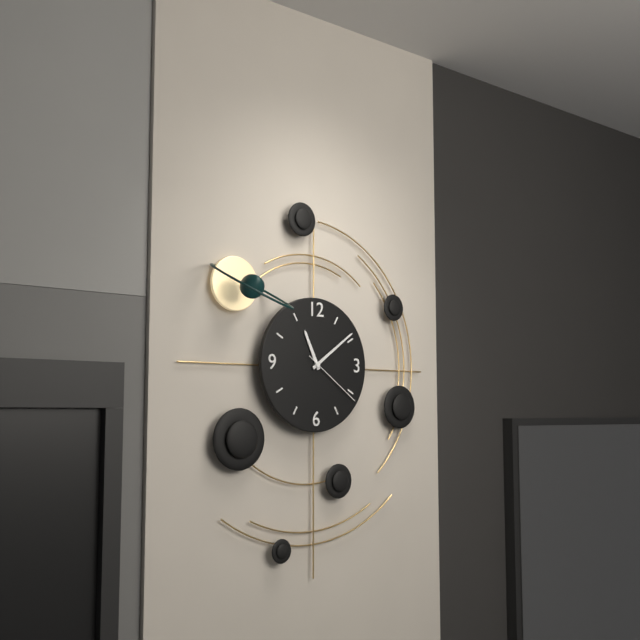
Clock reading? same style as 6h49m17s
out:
11h09m21s
